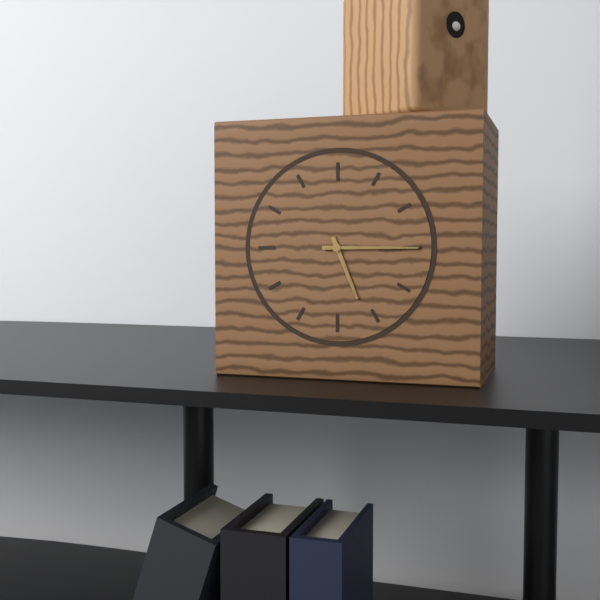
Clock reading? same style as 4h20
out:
5h15
